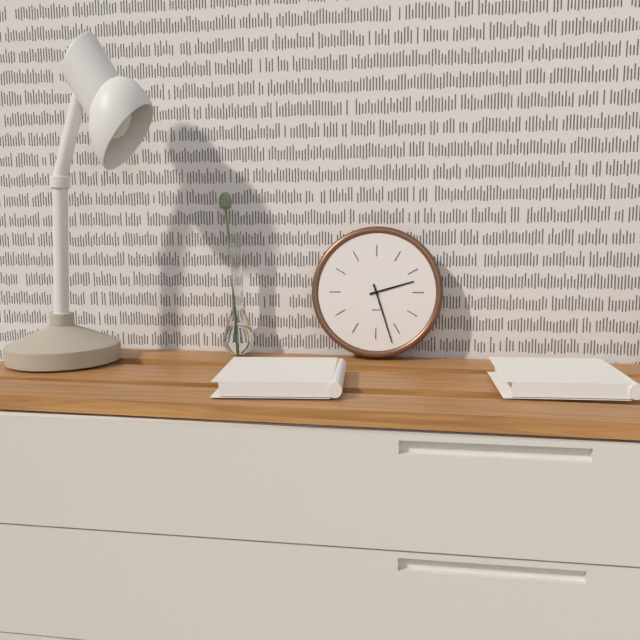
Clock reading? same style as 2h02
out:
2h27
